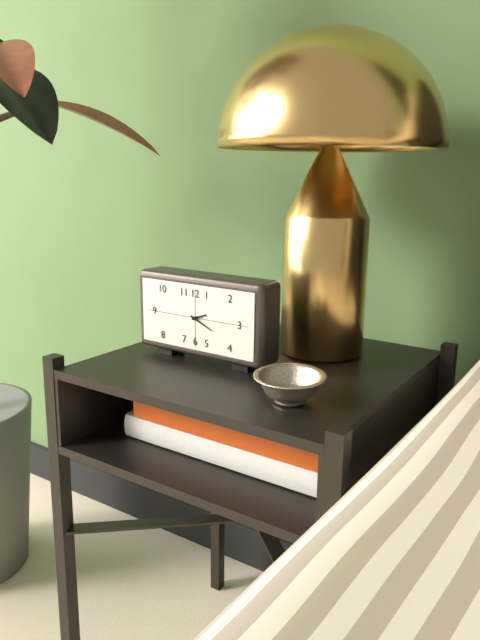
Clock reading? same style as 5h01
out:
2h19
